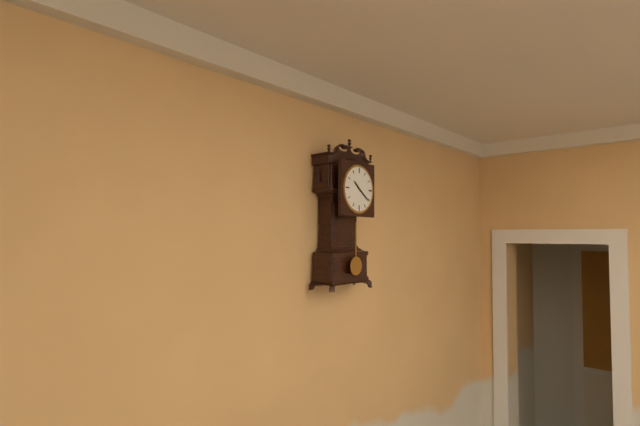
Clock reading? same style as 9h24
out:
10h21
